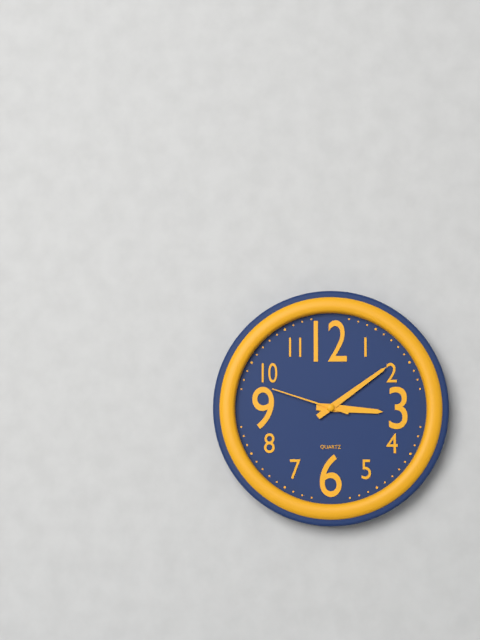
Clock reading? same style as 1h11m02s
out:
3h09m48s
